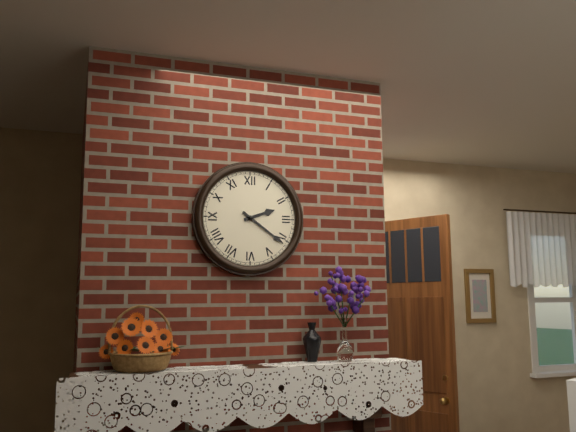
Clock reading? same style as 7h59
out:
2h21
